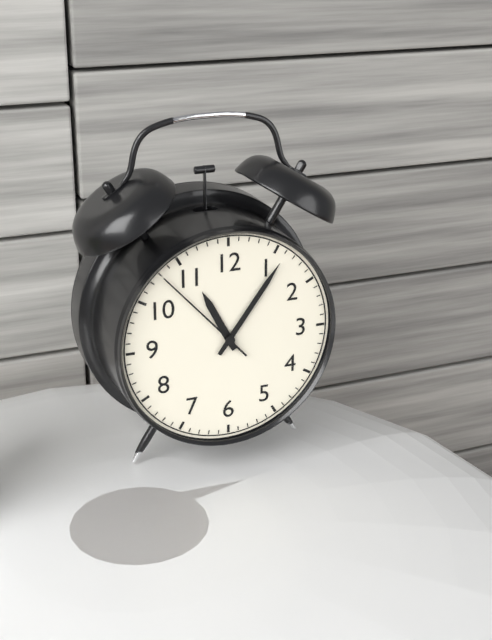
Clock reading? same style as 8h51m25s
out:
11h06m53s
